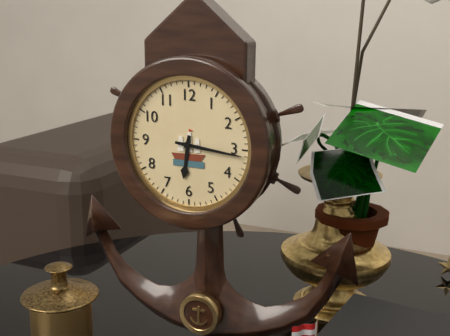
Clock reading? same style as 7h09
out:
6h16
